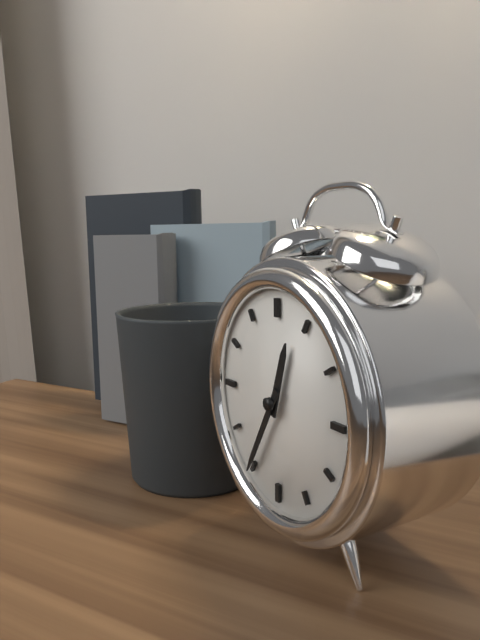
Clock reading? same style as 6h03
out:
12h35
